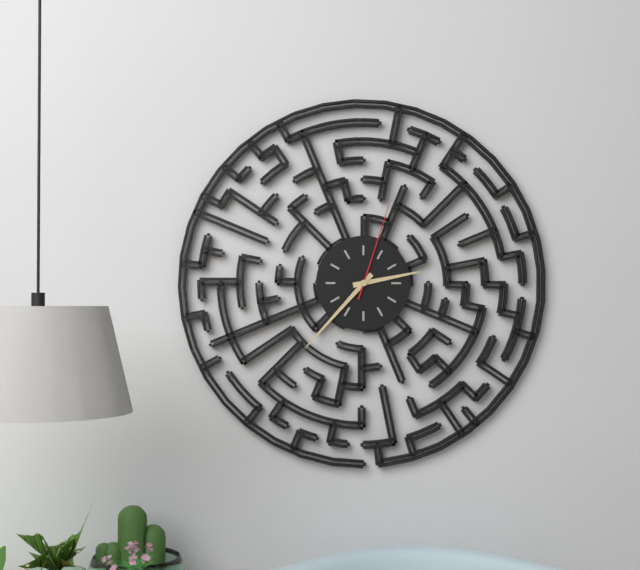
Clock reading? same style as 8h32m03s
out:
2h37m03s
